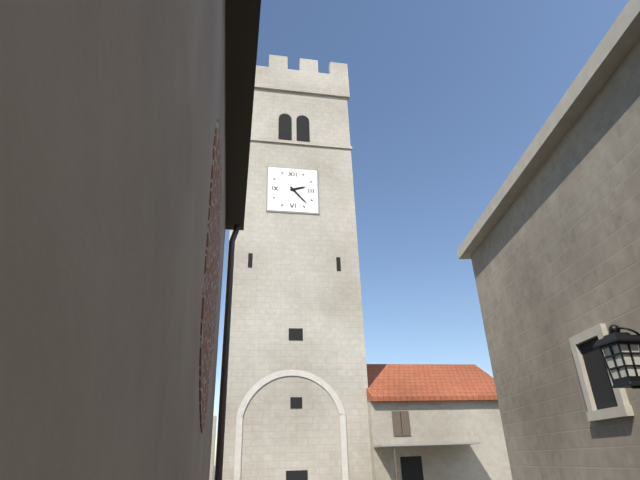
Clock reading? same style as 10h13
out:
2h23
